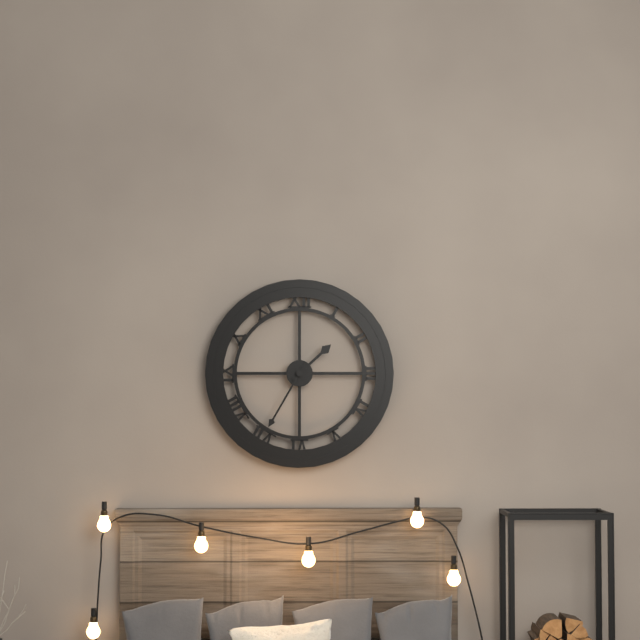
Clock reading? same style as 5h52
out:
1h35
